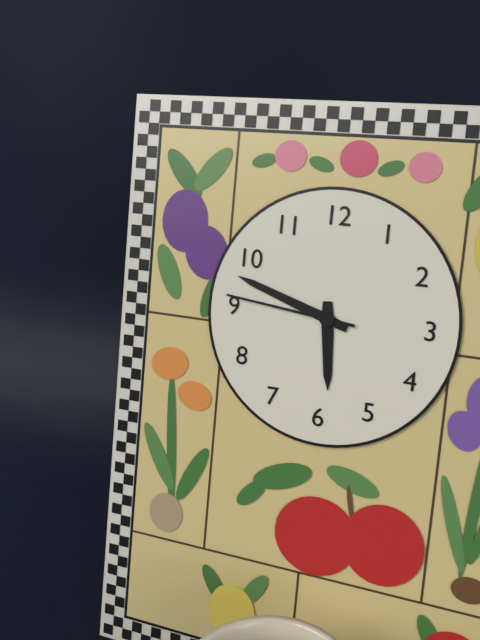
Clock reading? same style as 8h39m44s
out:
5h48m46s
